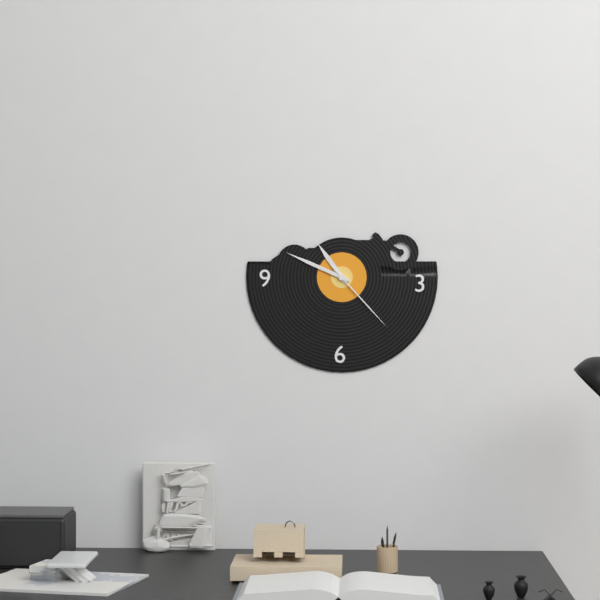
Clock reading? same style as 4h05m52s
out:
10h49m23s
